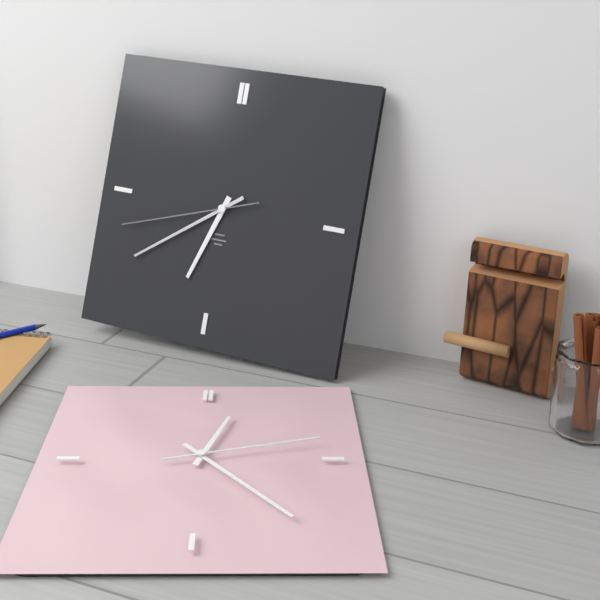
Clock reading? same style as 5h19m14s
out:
6h39m42s
